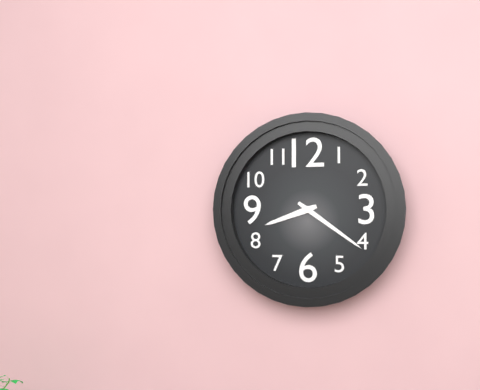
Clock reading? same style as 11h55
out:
8h21
